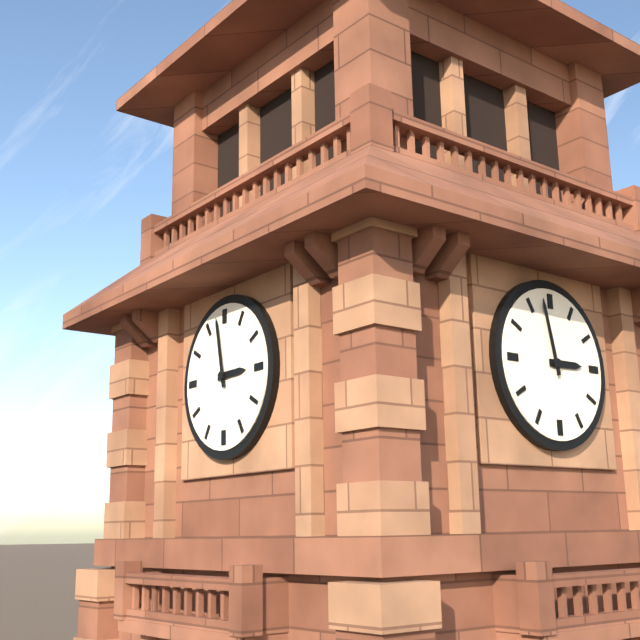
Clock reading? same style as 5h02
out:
2h58
